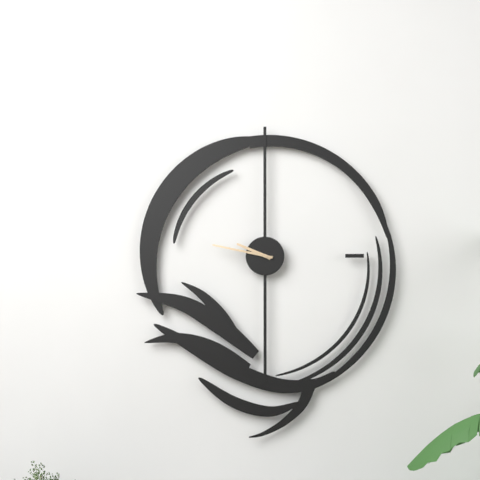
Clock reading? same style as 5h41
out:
9h47
